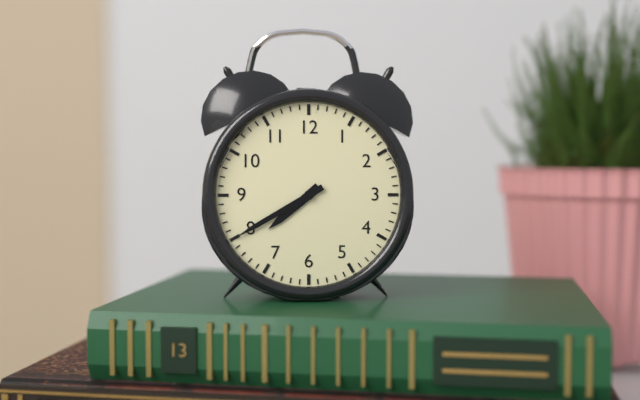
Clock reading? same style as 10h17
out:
7h40
